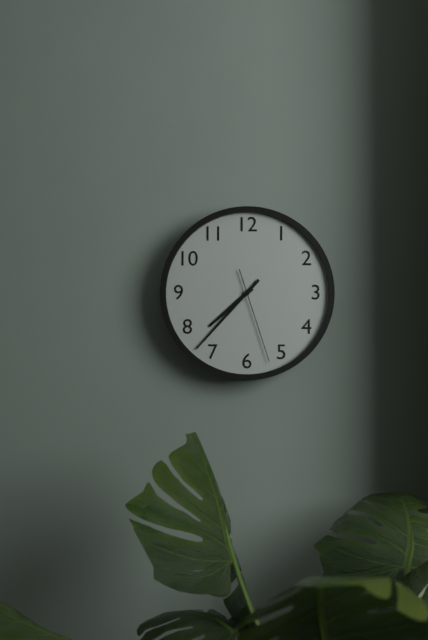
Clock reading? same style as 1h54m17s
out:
7h37m27s
